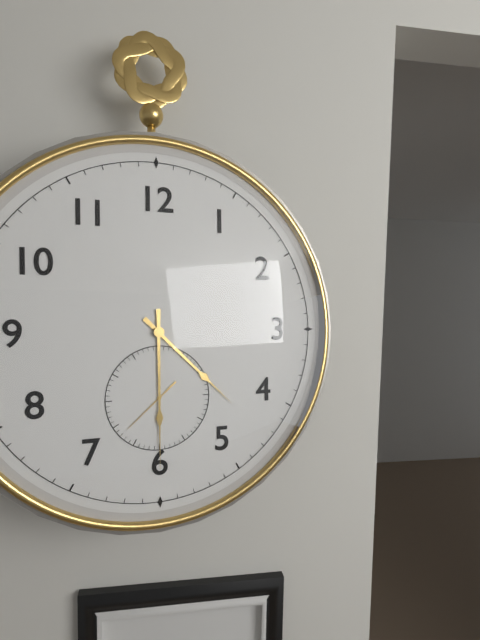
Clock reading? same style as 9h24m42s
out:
4h30m38s
